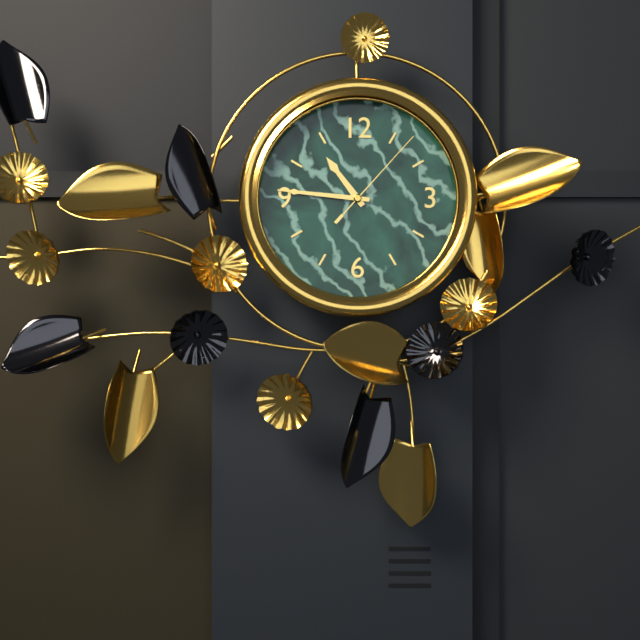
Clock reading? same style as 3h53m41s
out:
10h46m07s
